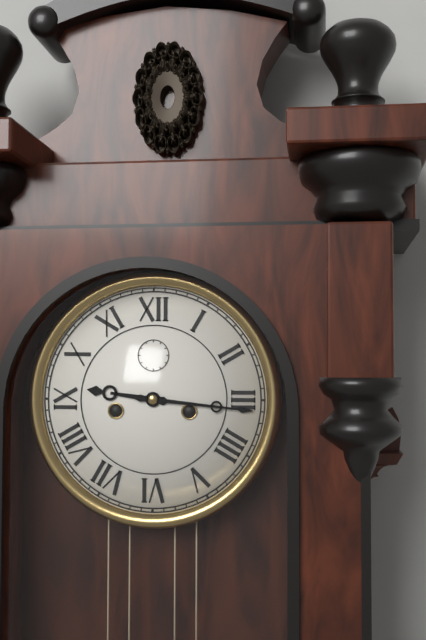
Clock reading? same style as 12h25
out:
9h16
